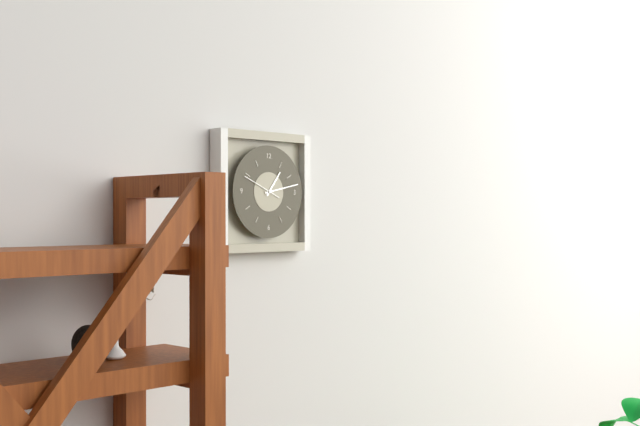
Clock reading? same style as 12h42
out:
1h13
